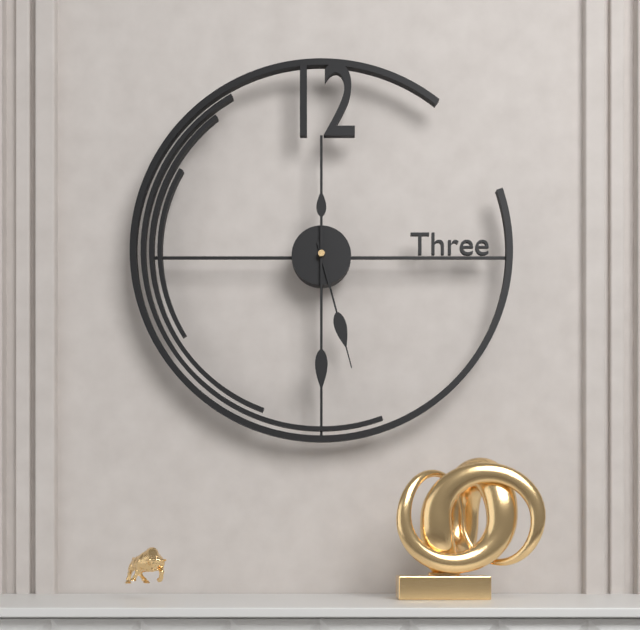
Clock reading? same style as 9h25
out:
5h30
